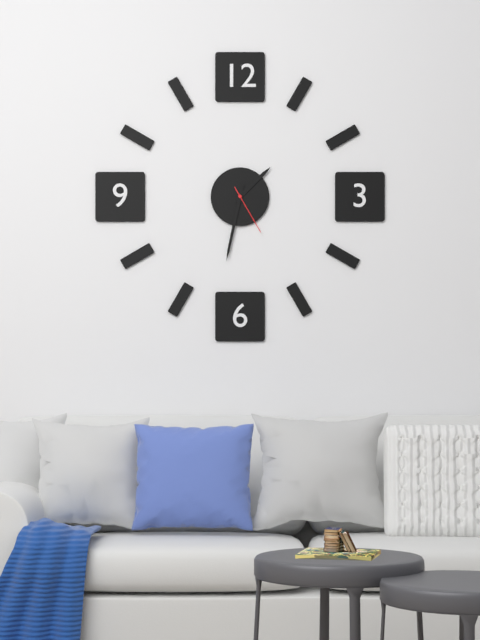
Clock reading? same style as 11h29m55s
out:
1h32m25s
